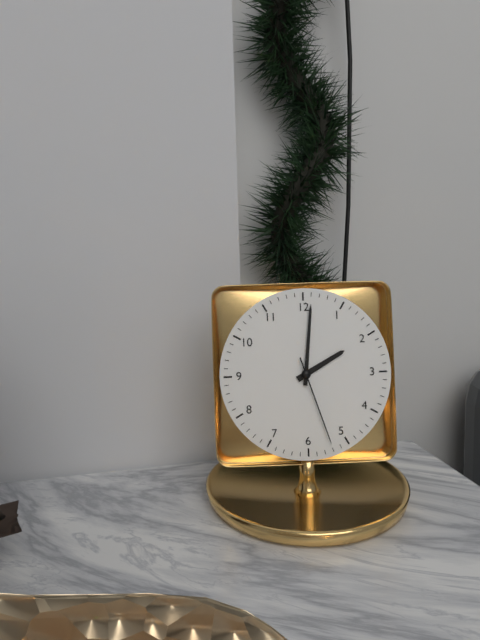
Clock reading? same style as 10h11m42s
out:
2h01m27s
